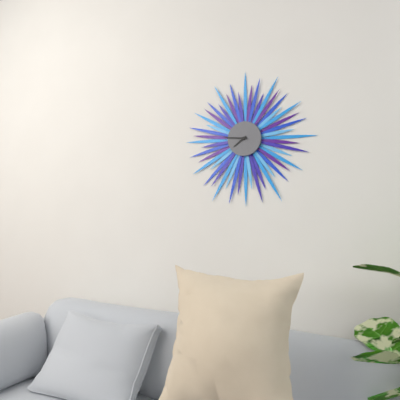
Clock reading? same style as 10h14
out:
7h46
